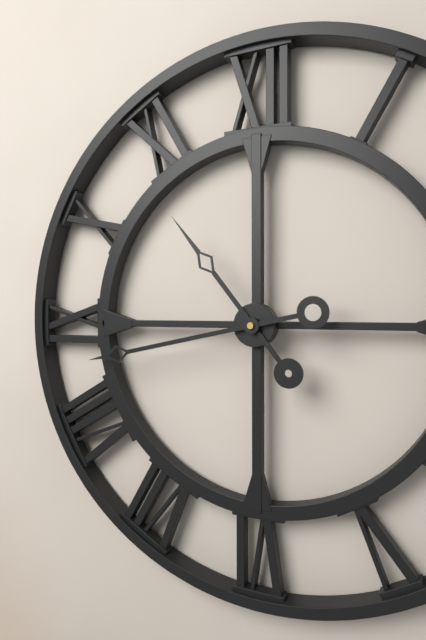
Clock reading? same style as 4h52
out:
10h43
